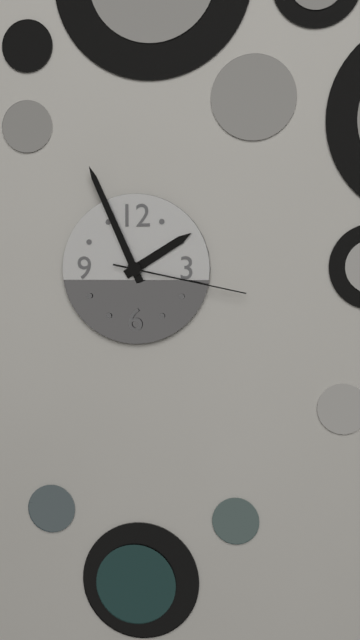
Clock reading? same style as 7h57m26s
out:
1h56m17s
